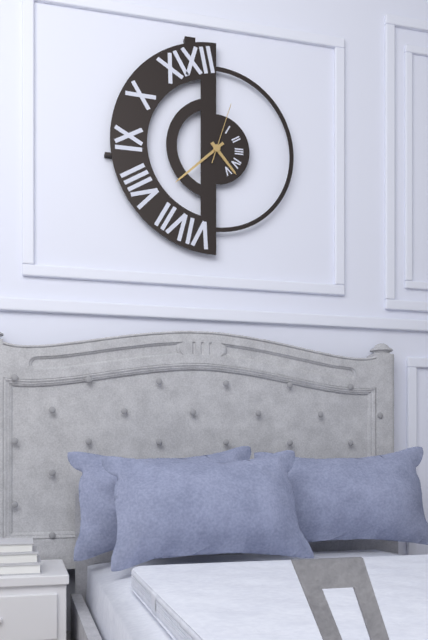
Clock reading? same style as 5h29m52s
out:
4h38m03s
